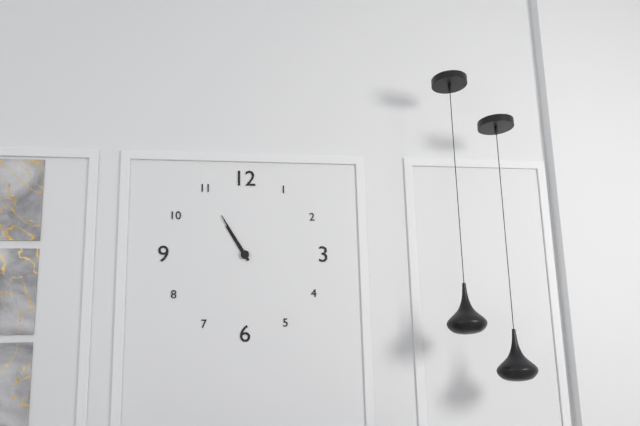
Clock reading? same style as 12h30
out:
10h55
